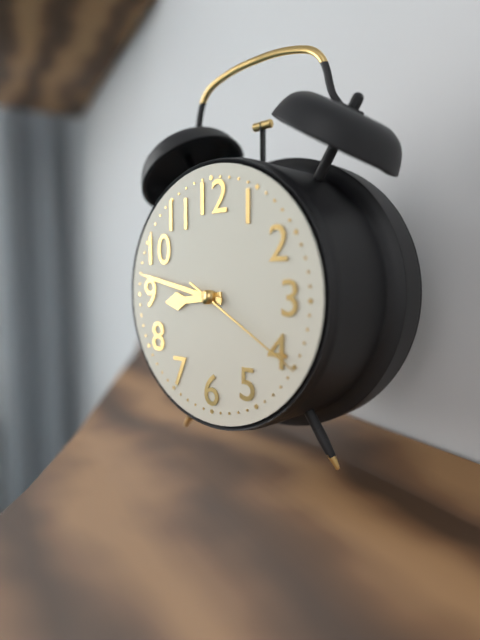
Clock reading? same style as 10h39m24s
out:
8h47m20s
